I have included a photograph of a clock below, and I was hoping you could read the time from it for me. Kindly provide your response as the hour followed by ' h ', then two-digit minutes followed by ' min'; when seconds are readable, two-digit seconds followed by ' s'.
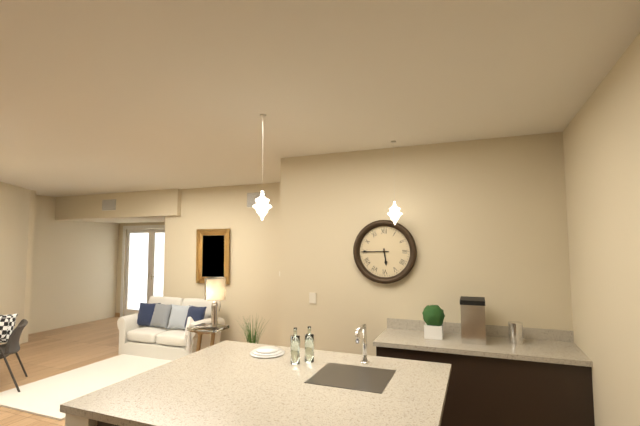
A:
5 h 45 min
